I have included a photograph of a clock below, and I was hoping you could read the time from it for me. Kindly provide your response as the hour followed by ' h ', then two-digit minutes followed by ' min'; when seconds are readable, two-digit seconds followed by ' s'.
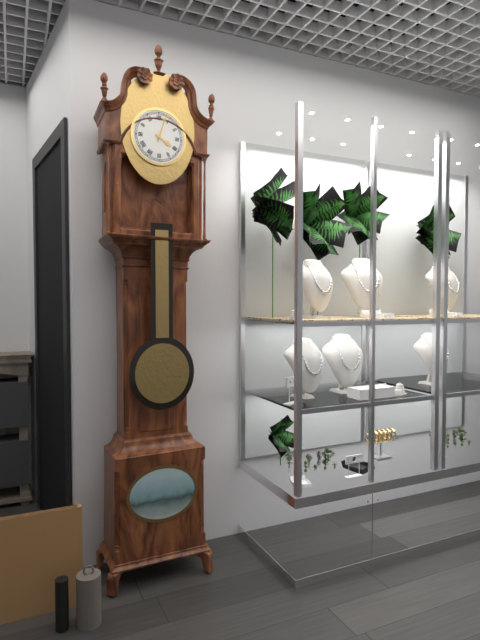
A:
4 h 03 min
